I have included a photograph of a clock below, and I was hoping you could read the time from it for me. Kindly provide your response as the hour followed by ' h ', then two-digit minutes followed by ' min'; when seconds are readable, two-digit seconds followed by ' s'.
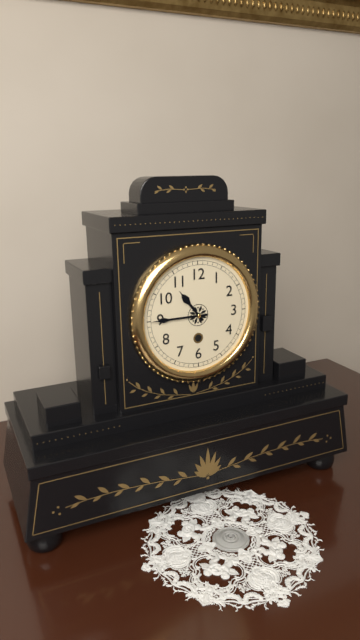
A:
10 h 45 min
